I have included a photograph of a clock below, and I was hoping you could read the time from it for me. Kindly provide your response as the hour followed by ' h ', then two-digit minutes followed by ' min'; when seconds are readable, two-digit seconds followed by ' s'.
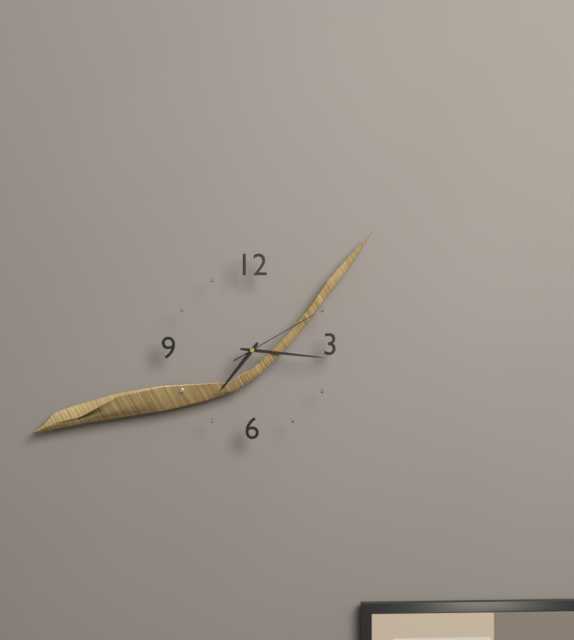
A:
7 h 16 min 10 s
